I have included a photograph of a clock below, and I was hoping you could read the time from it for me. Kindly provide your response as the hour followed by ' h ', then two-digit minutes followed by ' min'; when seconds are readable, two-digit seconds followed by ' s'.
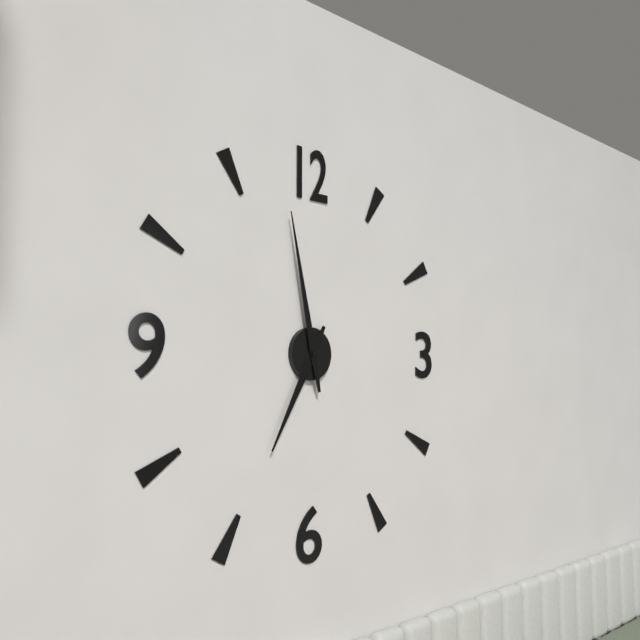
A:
6 h 58 min
